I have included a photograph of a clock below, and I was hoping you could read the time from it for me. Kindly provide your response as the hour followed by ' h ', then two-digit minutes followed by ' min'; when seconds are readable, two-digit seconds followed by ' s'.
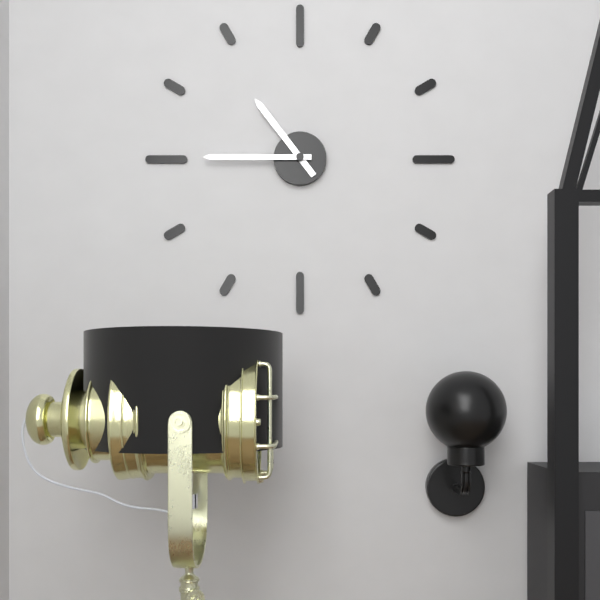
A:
10 h 45 min
